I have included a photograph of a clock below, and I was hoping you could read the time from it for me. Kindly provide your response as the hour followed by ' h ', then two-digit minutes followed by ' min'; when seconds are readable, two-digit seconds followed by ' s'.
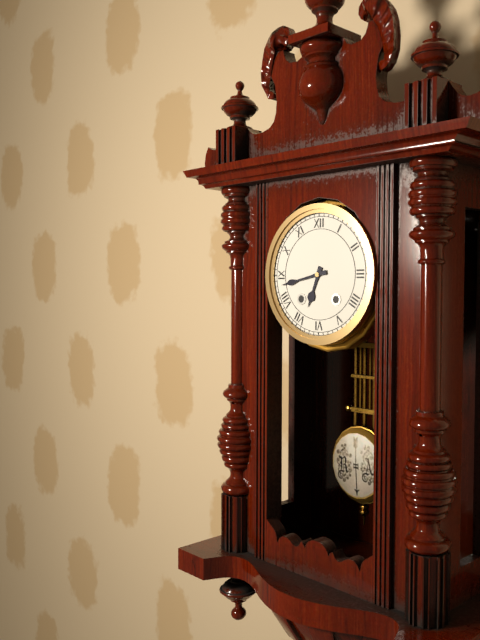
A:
6 h 43 min
